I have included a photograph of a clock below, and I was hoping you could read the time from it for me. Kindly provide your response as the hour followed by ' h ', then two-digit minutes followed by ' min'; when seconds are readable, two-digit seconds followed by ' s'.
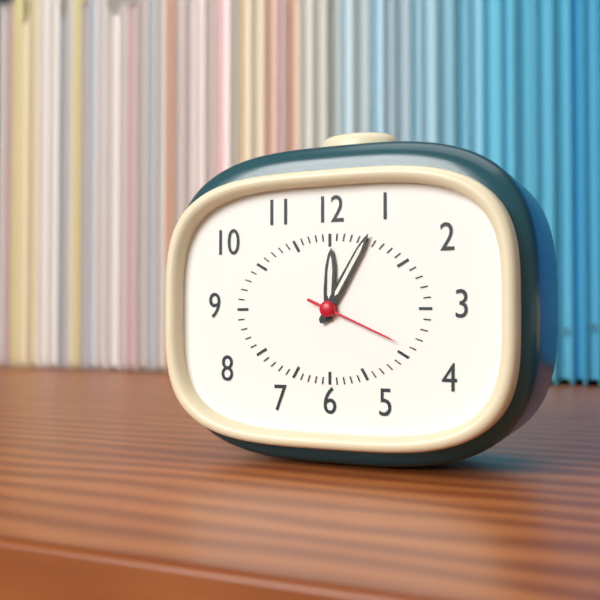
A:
12 h 05 min 19 s
